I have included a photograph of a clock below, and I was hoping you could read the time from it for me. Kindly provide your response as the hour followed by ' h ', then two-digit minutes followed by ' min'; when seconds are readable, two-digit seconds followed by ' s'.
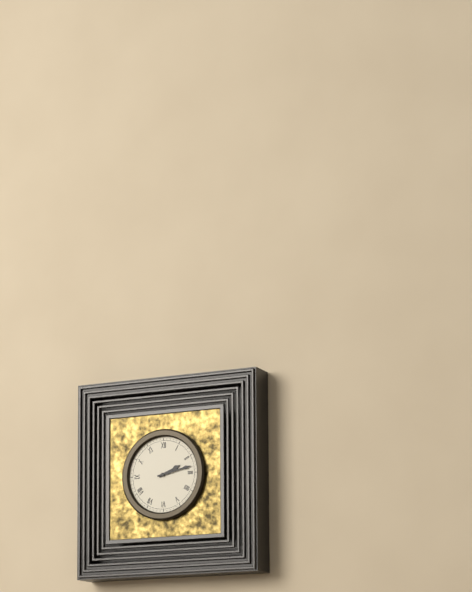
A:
2 h 13 min
